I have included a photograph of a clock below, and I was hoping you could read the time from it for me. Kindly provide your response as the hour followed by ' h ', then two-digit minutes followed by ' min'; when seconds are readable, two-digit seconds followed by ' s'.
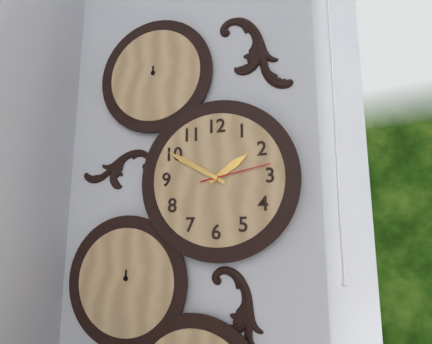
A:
1 h 50 min 13 s
